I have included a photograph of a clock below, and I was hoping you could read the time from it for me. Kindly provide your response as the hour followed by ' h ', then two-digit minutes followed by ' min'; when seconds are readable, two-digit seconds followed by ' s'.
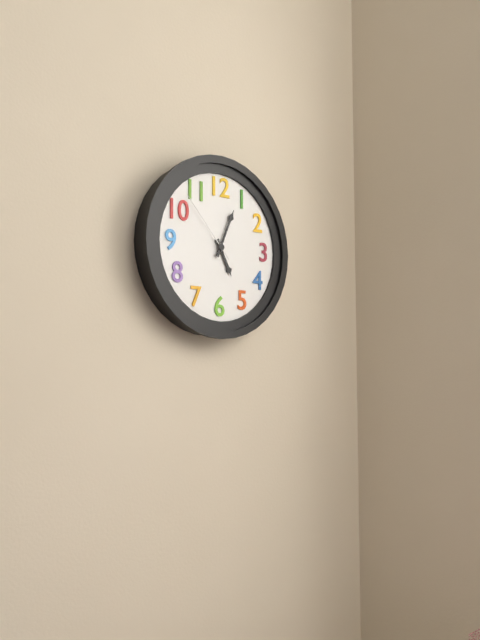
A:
5 h 04 min 53 s
